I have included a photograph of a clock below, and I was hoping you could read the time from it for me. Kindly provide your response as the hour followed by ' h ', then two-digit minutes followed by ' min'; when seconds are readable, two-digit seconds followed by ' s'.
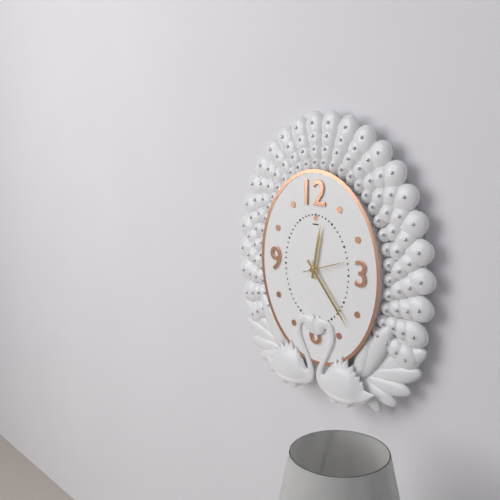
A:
12 h 23 min
